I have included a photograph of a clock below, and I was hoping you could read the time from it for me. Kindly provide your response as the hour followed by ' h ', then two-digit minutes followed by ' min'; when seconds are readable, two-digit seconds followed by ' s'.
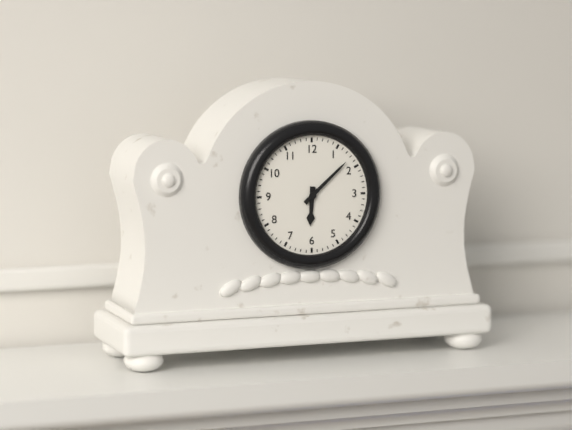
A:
6 h 08 min
